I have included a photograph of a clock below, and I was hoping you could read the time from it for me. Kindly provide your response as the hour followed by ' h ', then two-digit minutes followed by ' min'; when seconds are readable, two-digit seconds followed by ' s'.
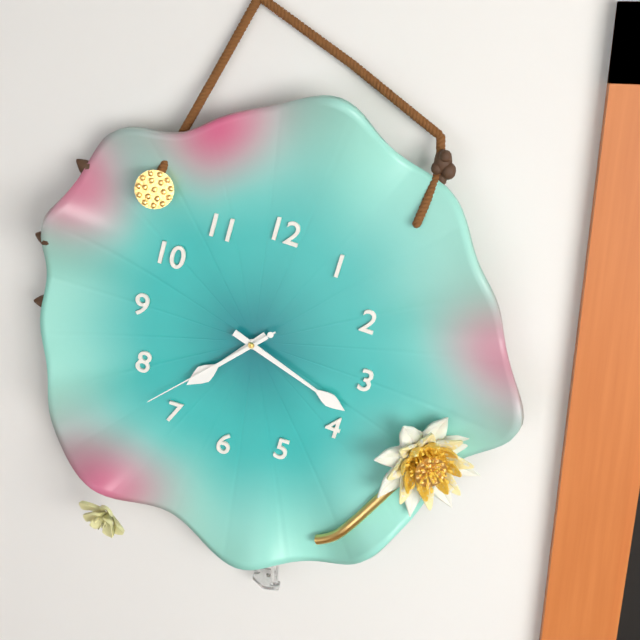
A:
7 h 18 min 37 s
